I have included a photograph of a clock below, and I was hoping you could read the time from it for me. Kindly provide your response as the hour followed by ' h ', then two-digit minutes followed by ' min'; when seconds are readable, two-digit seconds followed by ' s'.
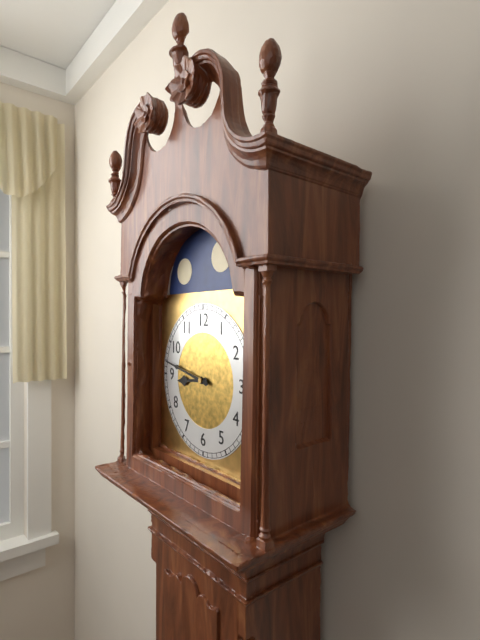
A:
8 h 47 min
